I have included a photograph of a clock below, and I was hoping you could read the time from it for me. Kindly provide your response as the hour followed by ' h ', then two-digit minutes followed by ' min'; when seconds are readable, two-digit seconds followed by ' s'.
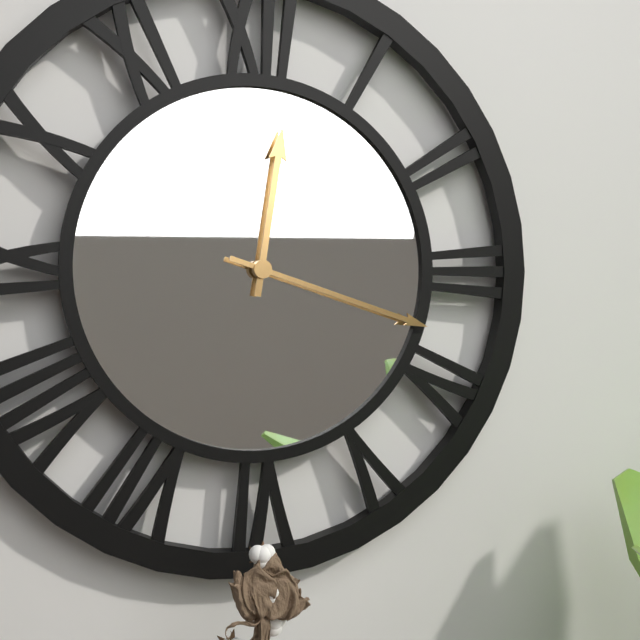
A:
12 h 18 min
